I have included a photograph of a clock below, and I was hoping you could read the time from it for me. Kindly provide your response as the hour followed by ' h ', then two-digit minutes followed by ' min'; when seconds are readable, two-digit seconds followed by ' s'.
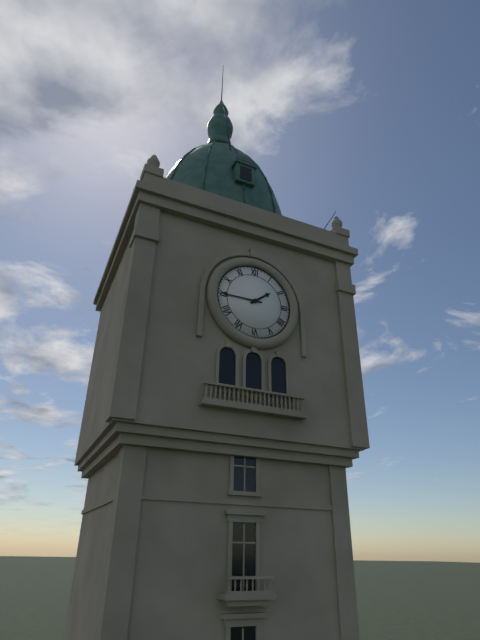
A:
1 h 45 min
